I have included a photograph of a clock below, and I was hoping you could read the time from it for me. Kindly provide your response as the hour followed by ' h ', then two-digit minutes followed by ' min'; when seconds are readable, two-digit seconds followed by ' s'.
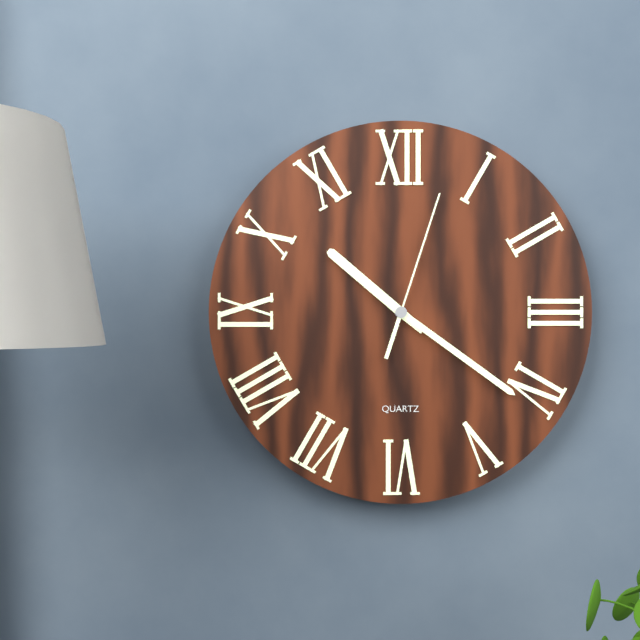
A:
10 h 21 min 03 s
